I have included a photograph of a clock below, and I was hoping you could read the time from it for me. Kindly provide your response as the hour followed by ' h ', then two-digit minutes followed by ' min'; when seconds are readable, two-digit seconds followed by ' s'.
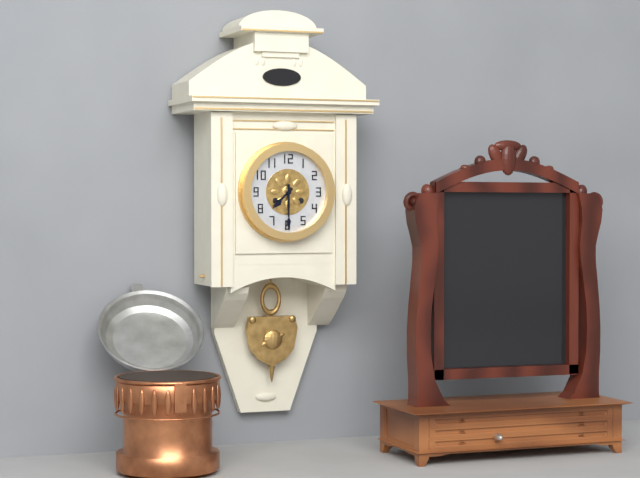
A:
7 h 30 min
